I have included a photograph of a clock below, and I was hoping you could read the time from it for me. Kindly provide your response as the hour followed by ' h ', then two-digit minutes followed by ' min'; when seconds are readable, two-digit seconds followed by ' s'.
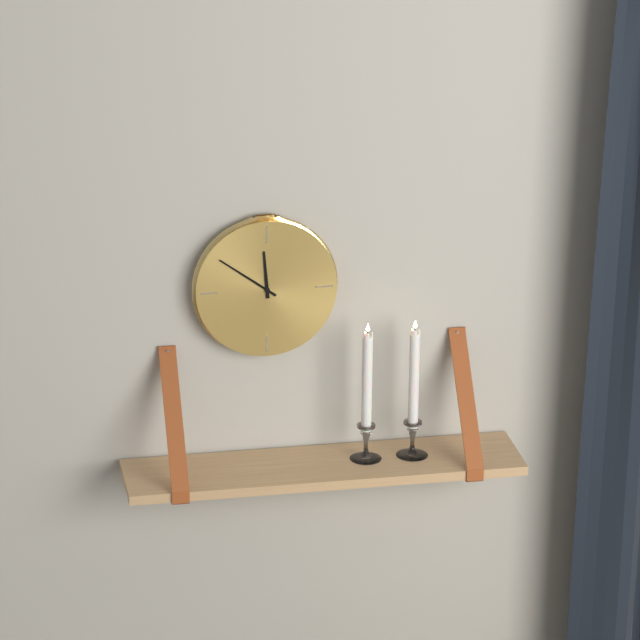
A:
11 h 51 min
